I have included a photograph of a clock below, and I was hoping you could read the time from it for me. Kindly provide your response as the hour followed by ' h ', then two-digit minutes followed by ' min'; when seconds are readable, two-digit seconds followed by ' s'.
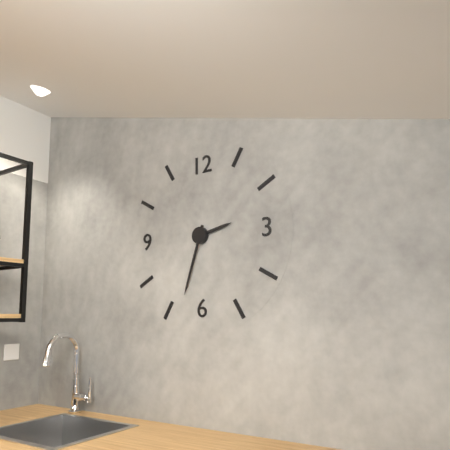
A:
2 h 33 min
